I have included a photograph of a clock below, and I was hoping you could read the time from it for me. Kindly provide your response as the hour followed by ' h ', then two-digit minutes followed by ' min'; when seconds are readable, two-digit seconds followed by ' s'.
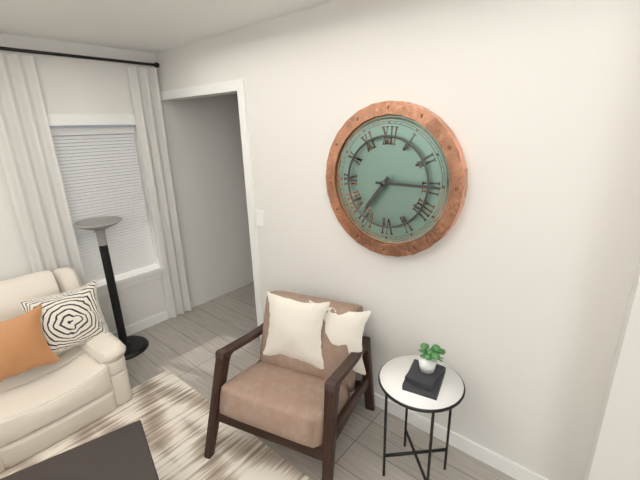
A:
7 h 15 min
